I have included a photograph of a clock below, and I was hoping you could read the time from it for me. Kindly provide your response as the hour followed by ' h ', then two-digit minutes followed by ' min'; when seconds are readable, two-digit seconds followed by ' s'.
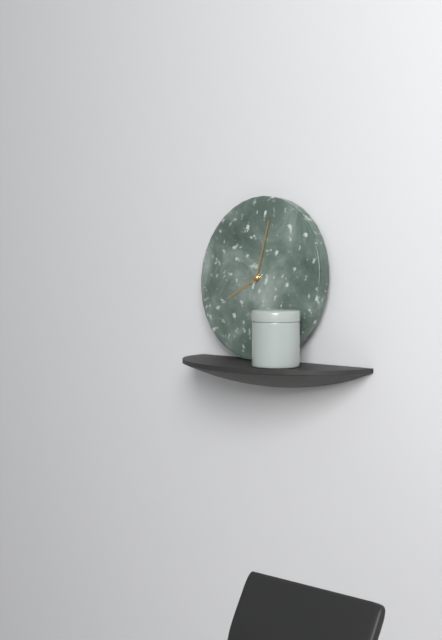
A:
8 h 02 min
